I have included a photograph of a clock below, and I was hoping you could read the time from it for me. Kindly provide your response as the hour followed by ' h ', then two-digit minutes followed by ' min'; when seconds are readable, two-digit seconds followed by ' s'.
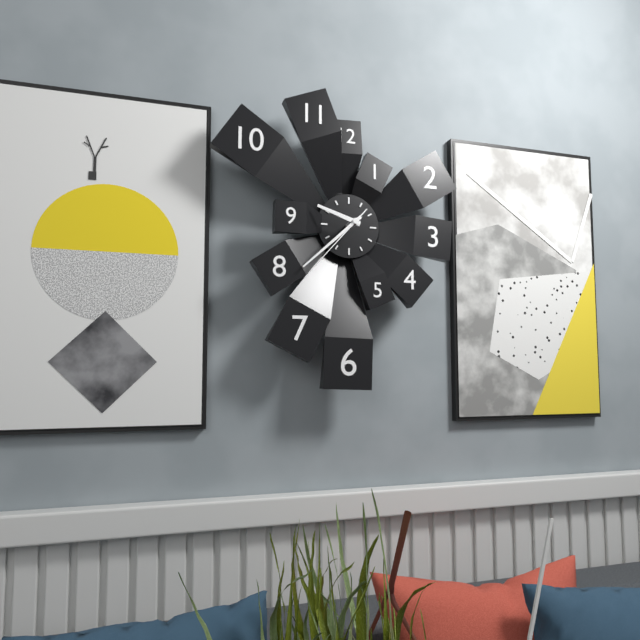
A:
9 h 38 min 37 s
